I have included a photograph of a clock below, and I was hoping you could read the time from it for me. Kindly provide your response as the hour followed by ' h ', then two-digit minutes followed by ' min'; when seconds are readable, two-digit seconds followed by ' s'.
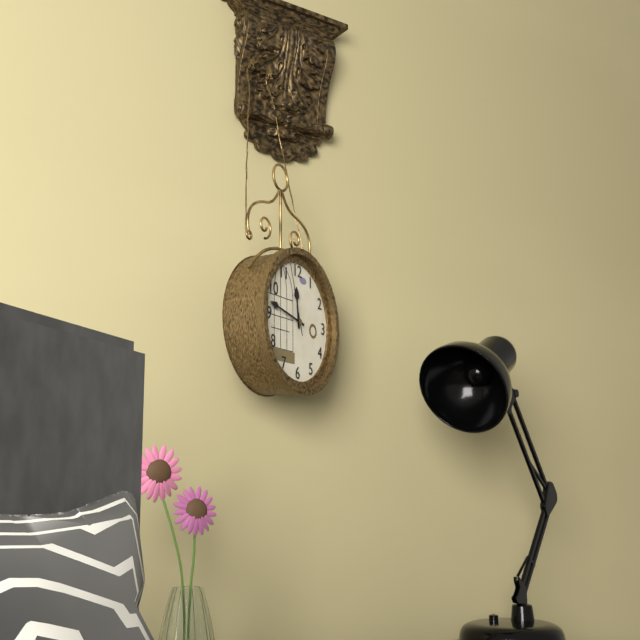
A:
11 h 47 min 57 s
